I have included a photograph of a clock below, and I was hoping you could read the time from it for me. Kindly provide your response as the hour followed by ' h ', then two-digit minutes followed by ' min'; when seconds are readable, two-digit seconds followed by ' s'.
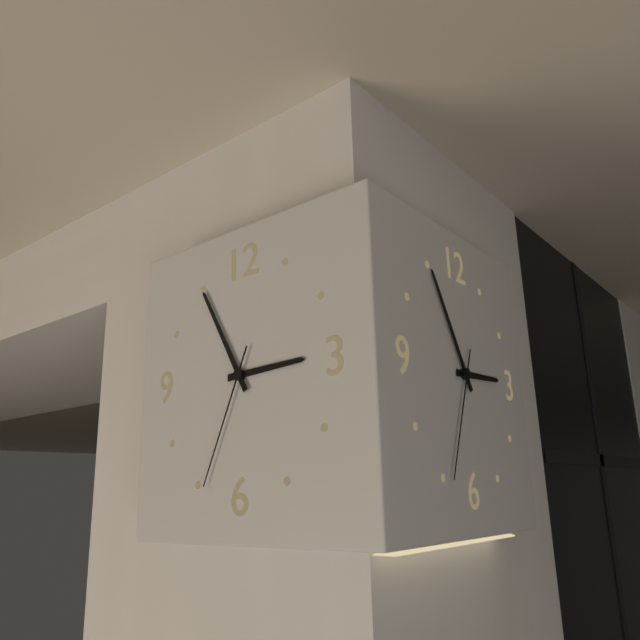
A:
2 h 55 min 34 s
